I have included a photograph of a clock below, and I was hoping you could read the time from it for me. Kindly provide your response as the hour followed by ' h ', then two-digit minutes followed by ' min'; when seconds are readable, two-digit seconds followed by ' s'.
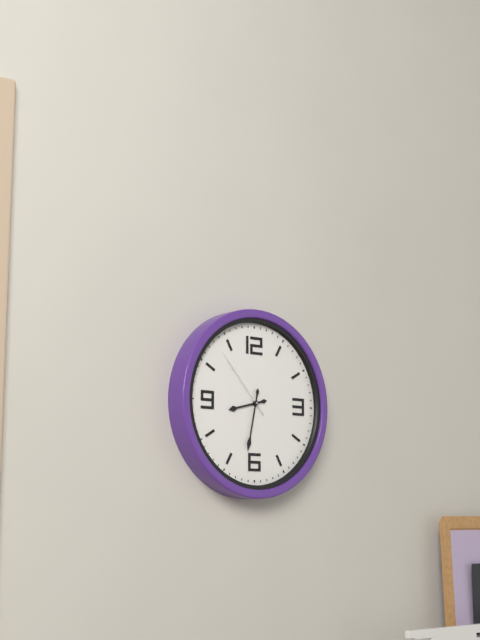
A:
8 h 32 min 53 s
